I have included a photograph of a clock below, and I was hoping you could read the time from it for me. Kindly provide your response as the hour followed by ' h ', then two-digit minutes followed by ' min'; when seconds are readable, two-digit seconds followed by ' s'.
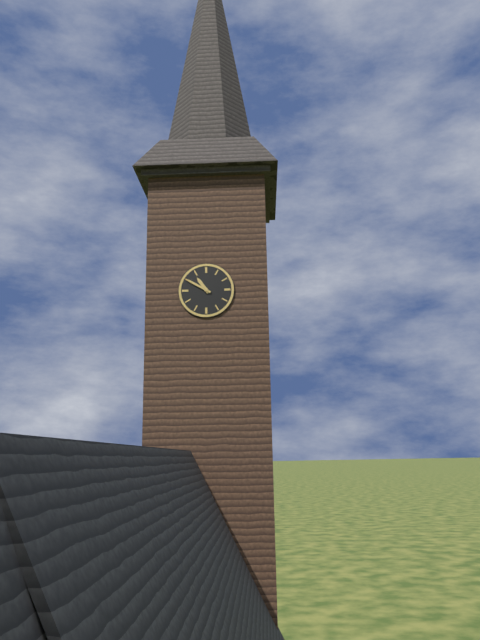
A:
10 h 50 min
